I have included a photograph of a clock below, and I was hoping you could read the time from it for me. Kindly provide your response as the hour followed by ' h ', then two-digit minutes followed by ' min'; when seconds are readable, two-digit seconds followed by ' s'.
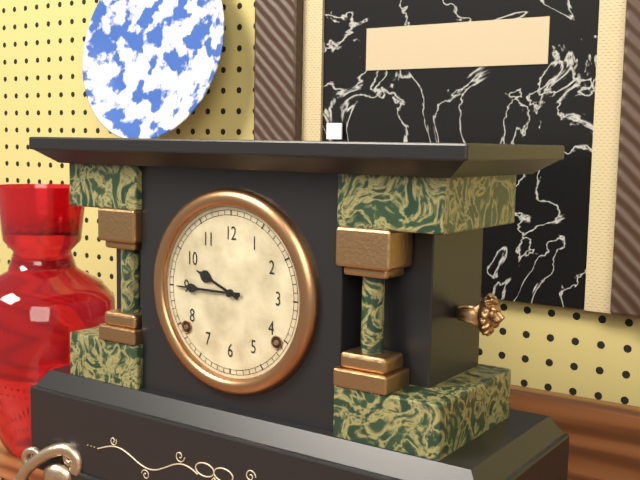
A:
9 h 45 min
